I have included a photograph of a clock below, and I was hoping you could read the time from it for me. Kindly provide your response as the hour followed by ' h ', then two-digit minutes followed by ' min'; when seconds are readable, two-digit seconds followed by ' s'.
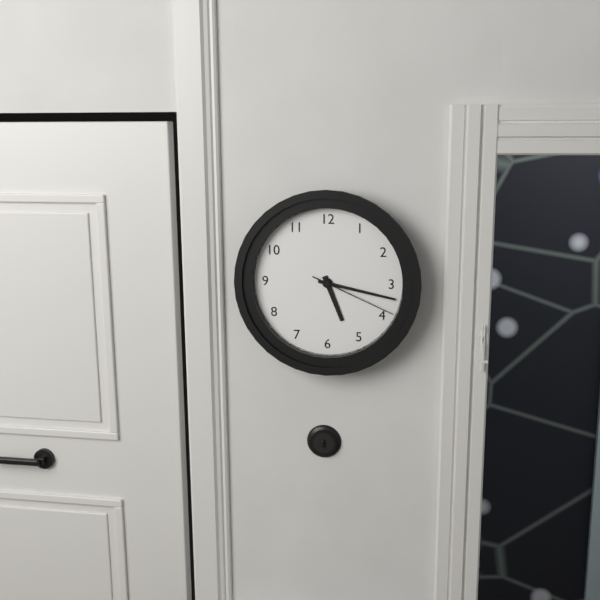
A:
5 h 17 min 19 s
